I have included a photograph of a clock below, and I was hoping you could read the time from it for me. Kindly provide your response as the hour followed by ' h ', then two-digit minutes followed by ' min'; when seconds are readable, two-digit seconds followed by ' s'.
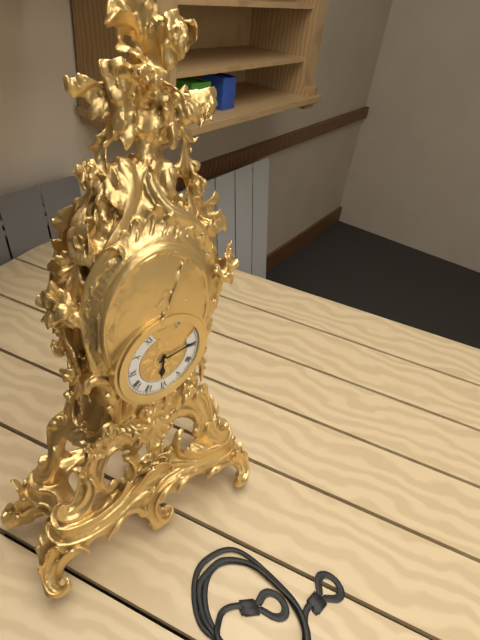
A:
6 h 14 min
